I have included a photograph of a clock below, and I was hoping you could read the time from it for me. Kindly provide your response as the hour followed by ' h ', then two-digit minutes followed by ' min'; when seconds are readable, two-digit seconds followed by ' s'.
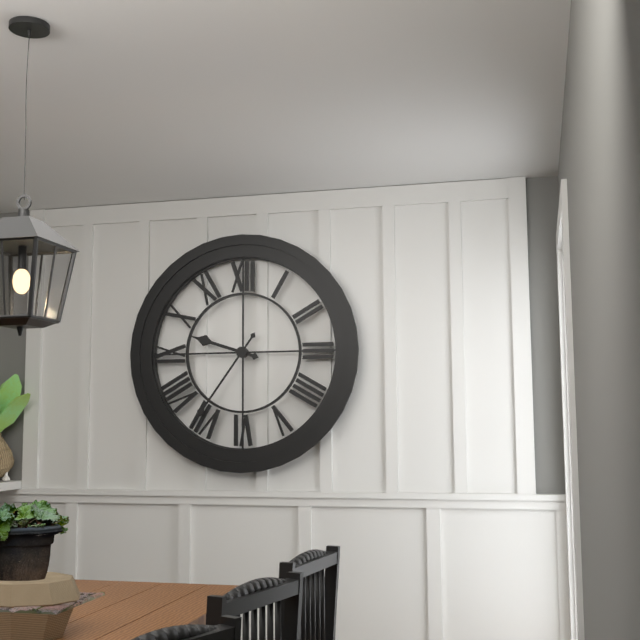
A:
9 h 36 min
